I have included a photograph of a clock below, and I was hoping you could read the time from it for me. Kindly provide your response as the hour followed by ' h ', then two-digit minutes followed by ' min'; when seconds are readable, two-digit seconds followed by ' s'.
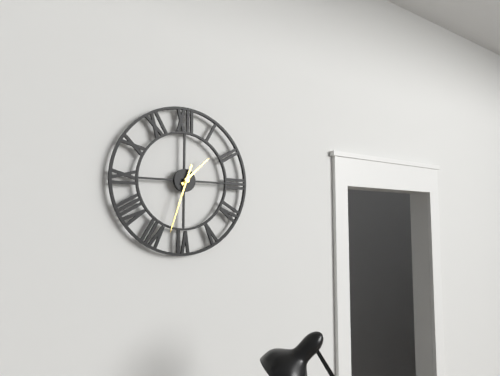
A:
1 h 33 min
